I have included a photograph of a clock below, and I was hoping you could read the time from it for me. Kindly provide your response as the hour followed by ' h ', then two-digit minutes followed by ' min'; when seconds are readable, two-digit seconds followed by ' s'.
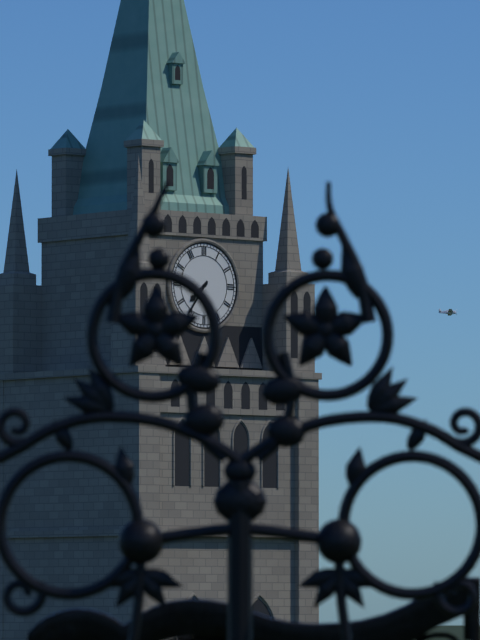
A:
7 h 36 min
